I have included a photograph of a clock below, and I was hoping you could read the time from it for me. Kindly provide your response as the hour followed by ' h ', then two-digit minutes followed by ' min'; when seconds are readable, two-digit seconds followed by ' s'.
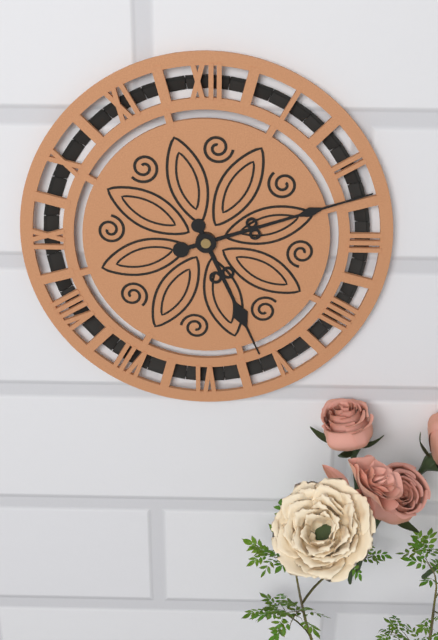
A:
5 h 12 min
